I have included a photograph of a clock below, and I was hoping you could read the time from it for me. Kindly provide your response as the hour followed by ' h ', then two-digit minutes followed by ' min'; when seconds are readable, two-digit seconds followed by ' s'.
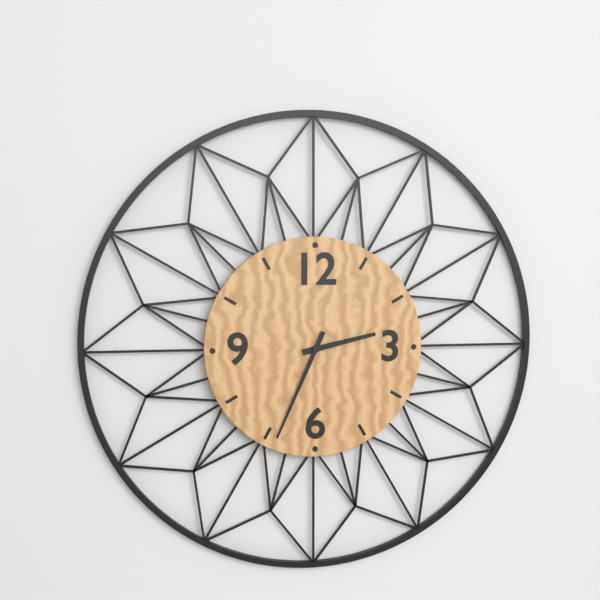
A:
2 h 34 min
